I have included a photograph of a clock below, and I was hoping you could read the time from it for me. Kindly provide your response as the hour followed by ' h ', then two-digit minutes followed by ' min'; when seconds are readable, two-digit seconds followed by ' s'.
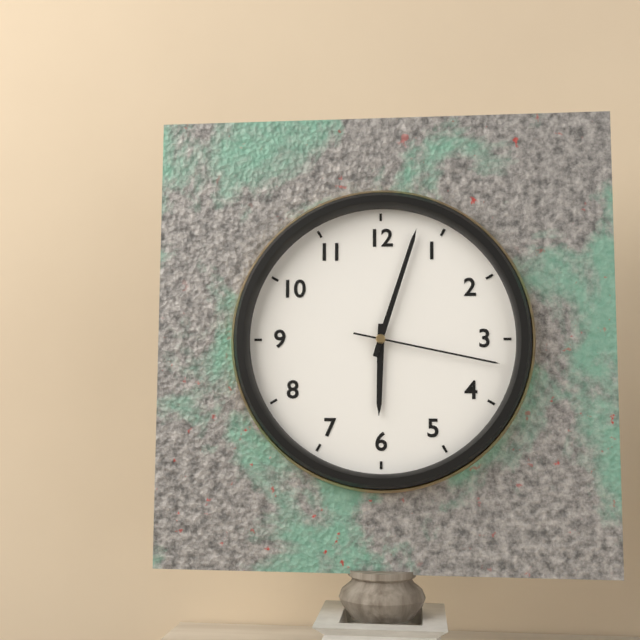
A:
6 h 03 min 17 s
